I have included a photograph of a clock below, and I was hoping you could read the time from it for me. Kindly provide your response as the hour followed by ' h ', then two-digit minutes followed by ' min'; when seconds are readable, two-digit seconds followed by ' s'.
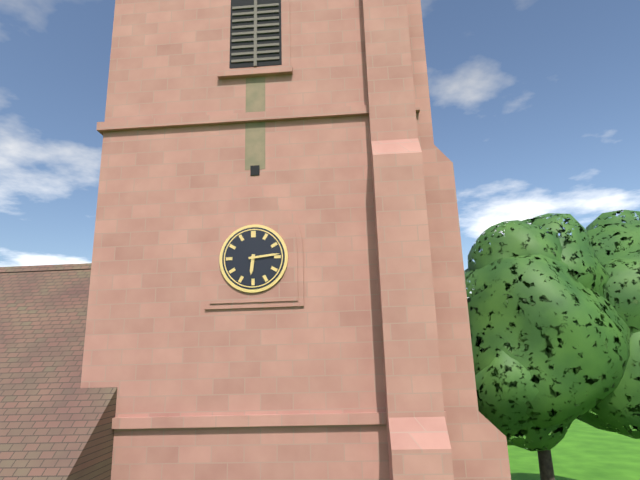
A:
6 h 14 min
